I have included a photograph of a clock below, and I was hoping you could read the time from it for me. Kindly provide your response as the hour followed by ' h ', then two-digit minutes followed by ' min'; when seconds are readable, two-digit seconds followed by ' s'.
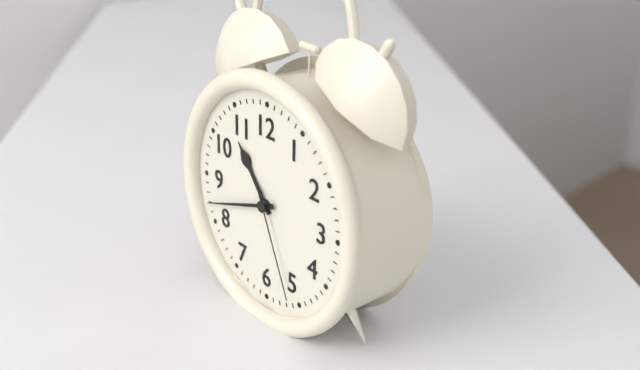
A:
10 h 42 min 26 s
